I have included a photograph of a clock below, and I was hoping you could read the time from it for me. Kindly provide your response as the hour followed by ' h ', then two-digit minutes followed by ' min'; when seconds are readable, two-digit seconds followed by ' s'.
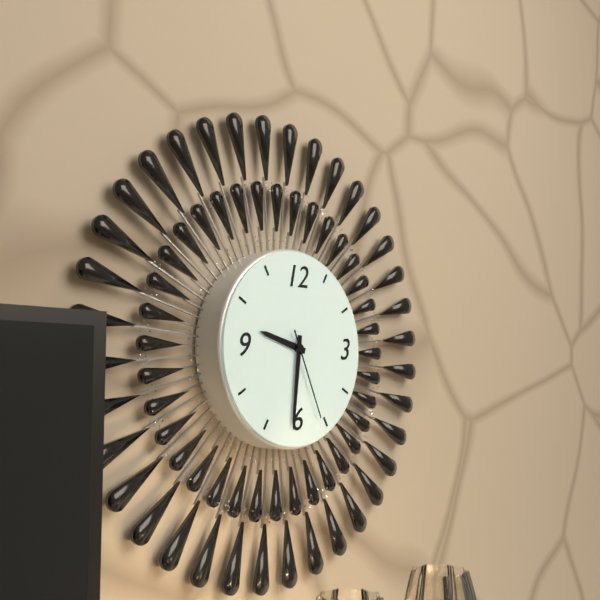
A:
9 h 31 min 26 s
